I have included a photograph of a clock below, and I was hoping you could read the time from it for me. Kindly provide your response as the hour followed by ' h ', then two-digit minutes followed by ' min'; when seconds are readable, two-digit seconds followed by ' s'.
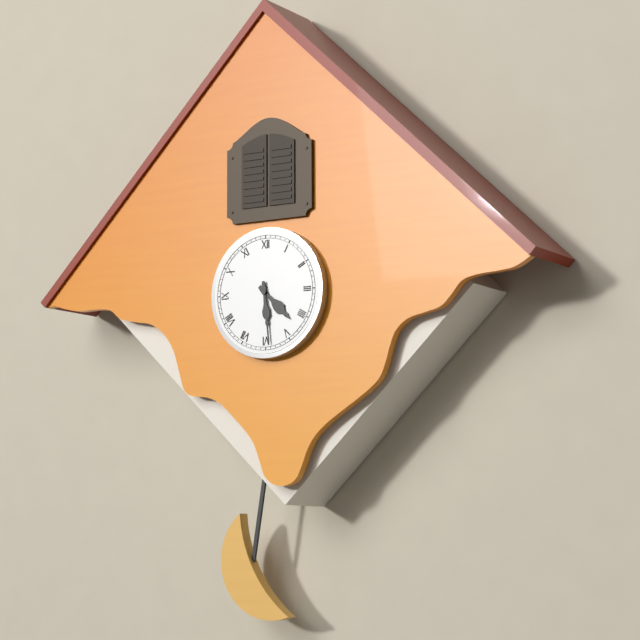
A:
4 h 29 min
